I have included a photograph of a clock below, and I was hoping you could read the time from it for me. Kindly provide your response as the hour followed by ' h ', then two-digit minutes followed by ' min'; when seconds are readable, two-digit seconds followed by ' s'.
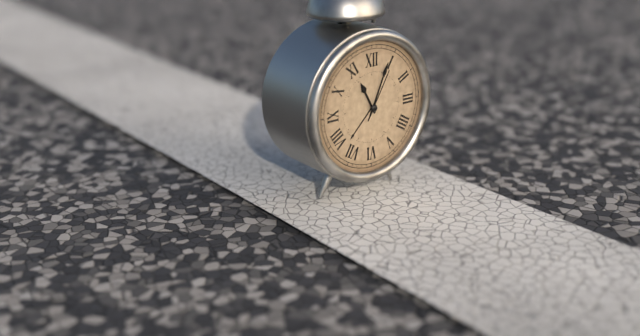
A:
11 h 04 min 05 s
